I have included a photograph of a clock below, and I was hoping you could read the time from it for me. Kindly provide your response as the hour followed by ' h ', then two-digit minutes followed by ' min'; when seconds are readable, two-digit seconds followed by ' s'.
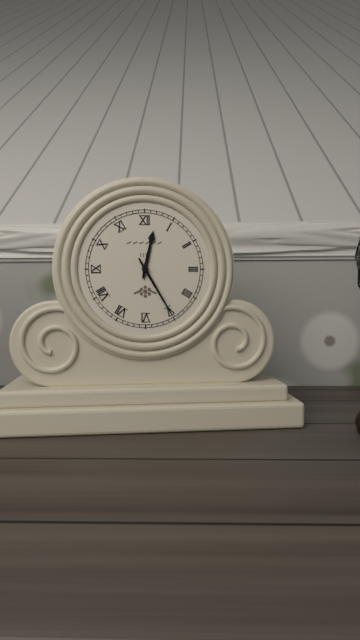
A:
12 h 25 min
